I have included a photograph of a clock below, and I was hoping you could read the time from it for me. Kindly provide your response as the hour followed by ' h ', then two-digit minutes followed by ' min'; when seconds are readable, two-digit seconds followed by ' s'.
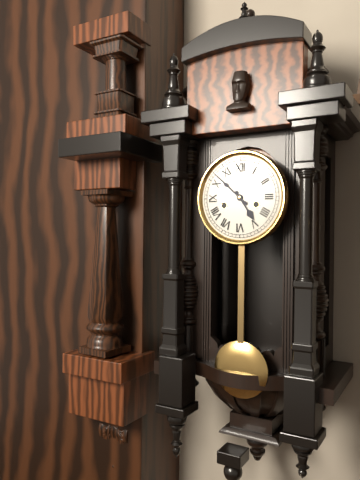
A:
4 h 52 min
